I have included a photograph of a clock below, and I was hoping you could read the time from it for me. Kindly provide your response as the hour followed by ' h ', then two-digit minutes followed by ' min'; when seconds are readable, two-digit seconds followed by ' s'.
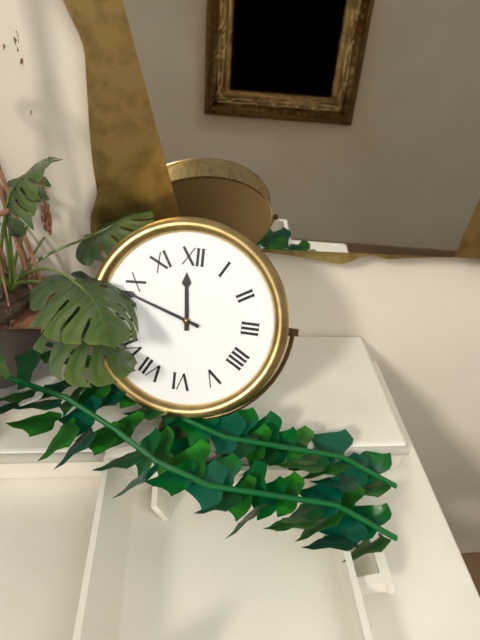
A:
11 h 48 min
